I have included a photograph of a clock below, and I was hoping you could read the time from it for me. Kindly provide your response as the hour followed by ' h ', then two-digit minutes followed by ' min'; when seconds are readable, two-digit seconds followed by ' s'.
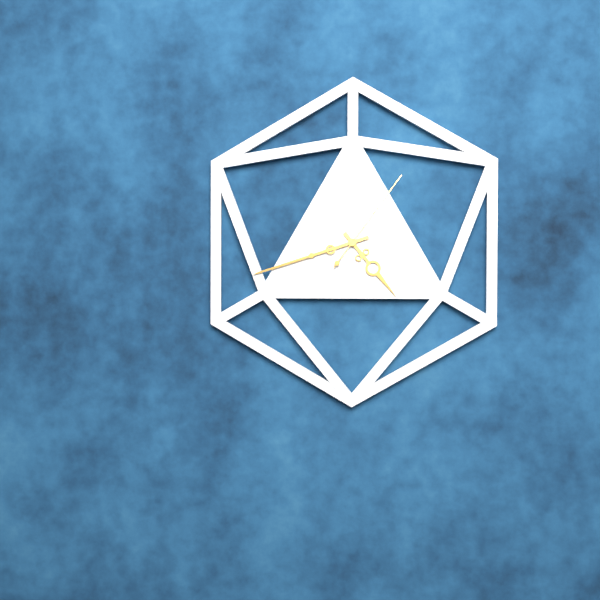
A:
4 h 42 min 06 s
